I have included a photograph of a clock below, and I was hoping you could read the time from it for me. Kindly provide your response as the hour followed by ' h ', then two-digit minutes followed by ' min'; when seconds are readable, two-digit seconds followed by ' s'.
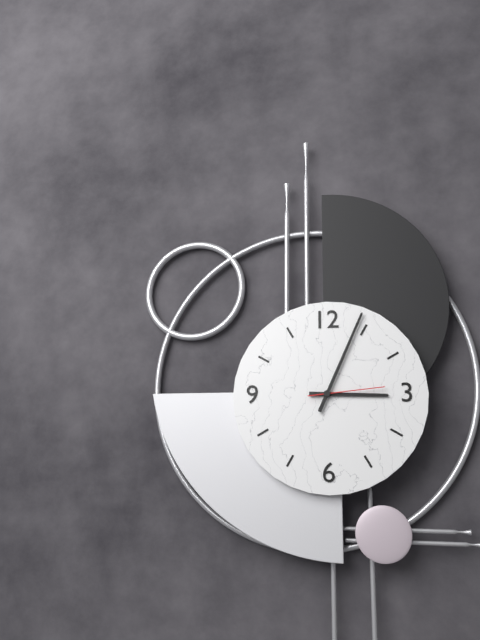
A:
3 h 04 min 14 s
